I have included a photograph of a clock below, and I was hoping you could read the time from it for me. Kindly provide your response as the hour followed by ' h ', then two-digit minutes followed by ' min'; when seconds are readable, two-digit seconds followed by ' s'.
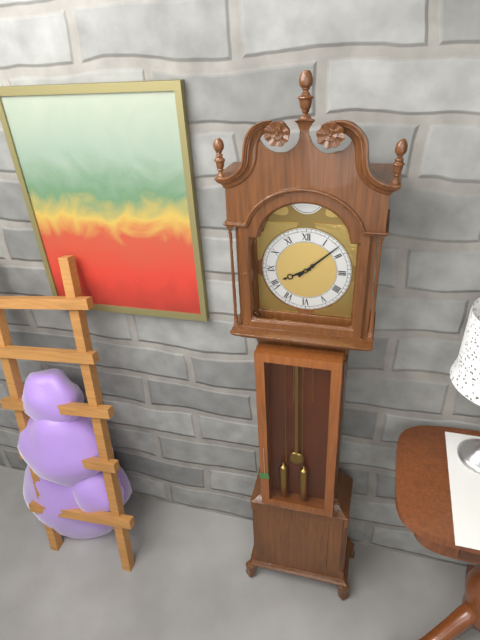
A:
8 h 08 min
